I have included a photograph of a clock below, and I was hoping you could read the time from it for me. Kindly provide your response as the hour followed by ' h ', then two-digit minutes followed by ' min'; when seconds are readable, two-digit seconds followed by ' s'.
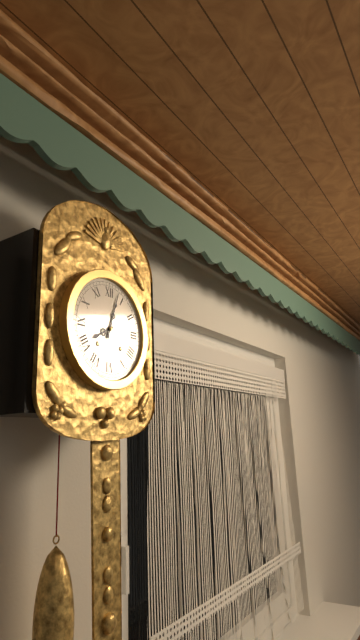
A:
8 h 03 min
